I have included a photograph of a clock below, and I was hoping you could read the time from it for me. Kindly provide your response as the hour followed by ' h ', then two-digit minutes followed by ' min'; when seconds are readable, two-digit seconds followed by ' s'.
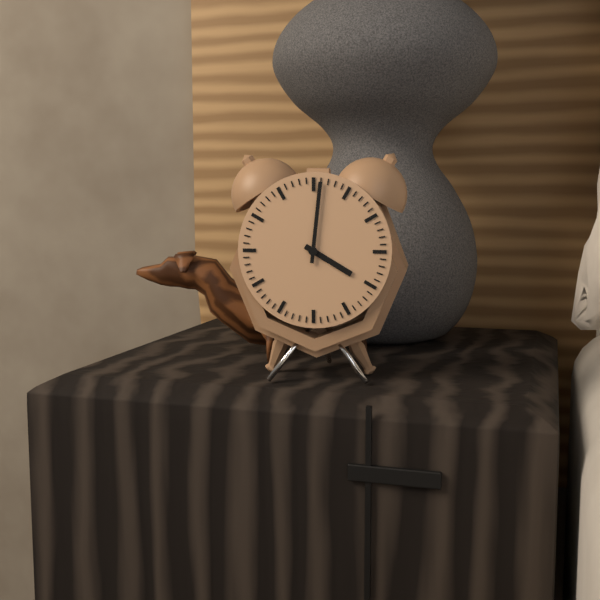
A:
4 h 01 min
